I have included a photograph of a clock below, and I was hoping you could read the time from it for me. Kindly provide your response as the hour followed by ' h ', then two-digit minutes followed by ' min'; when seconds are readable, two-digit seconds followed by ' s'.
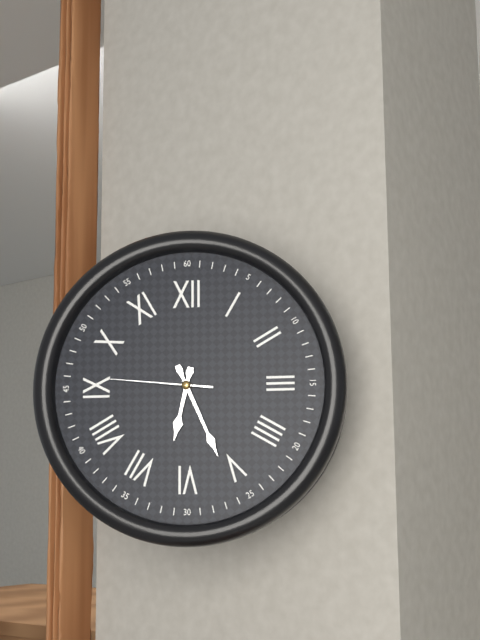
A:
6 h 26 min 46 s
